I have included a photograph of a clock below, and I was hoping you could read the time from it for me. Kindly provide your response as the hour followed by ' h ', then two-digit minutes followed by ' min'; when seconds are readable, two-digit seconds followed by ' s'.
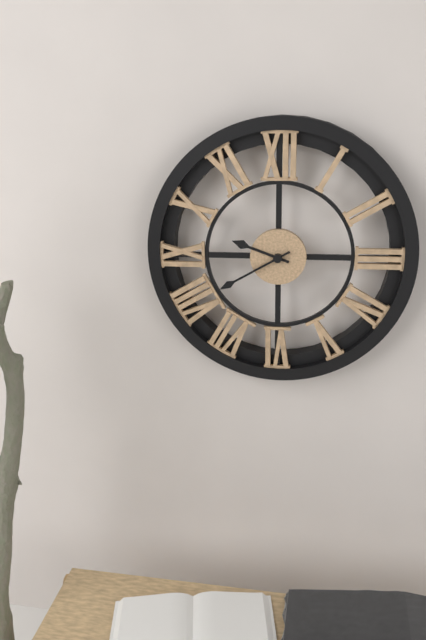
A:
9 h 40 min
